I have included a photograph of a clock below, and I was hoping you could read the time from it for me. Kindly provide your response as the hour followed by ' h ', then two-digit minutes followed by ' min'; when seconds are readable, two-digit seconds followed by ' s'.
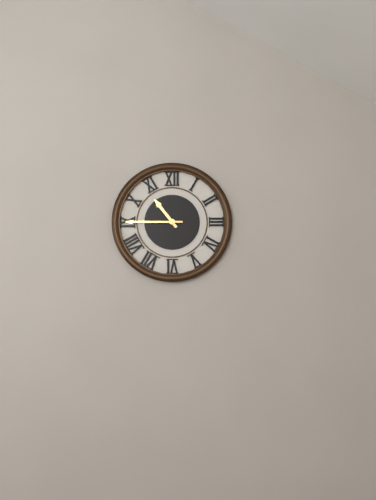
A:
10 h 45 min
